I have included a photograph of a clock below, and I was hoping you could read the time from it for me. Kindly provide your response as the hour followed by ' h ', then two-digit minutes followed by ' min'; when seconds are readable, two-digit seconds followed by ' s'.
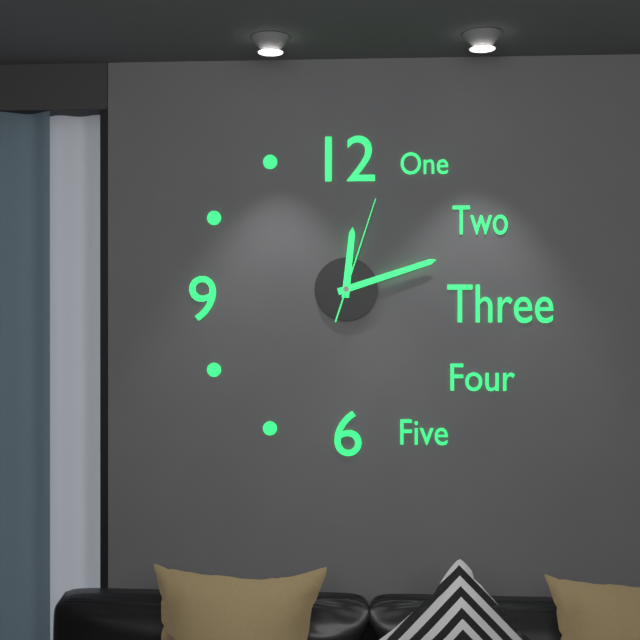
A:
12 h 12 min 03 s
